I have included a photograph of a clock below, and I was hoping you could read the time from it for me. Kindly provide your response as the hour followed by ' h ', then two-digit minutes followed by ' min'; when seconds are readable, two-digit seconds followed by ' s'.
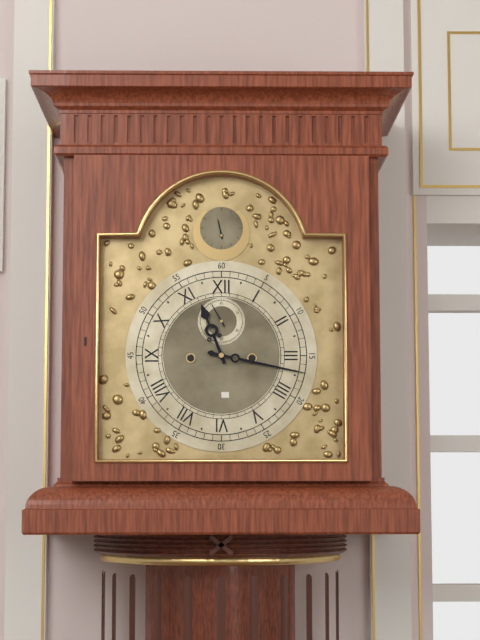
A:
11 h 17 min
